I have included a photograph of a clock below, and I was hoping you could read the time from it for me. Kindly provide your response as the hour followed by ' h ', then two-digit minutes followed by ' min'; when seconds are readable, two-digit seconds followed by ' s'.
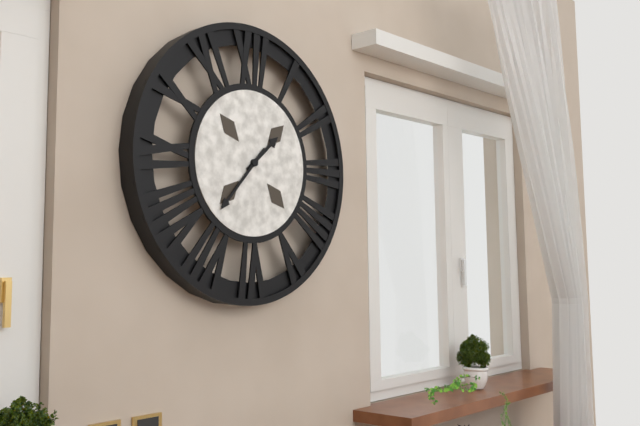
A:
1 h 37 min
